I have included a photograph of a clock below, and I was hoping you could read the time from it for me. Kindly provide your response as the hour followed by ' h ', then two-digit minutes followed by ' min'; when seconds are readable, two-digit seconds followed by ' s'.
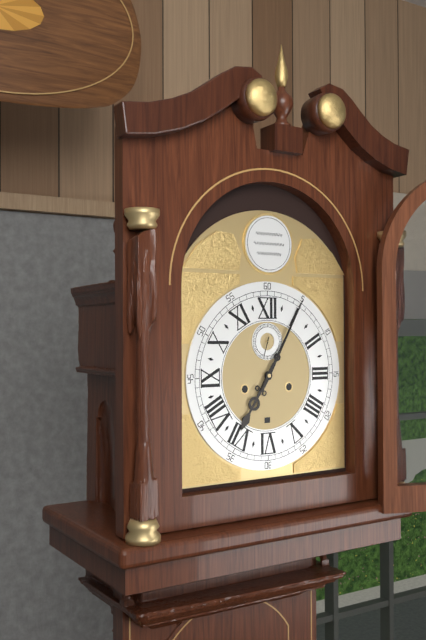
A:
7 h 05 min
